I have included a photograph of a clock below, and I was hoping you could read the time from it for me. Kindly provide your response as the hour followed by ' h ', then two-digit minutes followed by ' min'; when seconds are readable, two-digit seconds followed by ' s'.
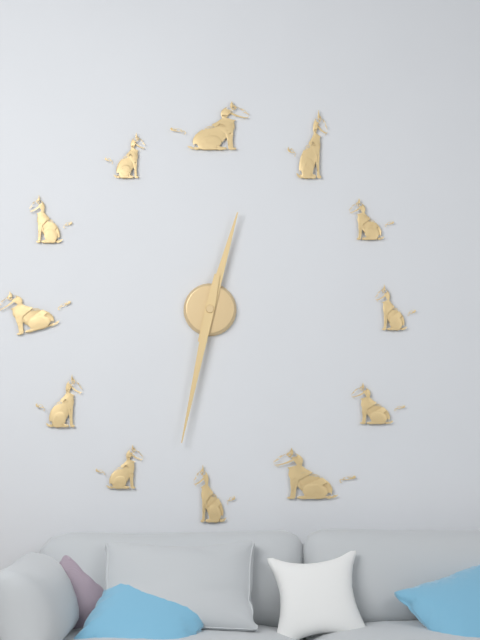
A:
12 h 32 min
